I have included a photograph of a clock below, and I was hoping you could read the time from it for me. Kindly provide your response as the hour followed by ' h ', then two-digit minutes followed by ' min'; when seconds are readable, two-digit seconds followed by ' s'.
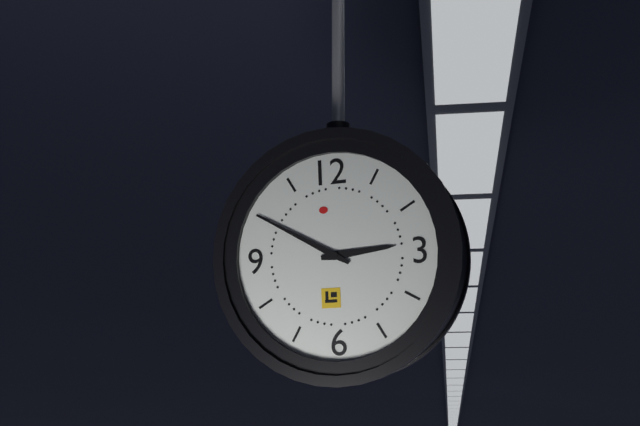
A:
2 h 50 min
